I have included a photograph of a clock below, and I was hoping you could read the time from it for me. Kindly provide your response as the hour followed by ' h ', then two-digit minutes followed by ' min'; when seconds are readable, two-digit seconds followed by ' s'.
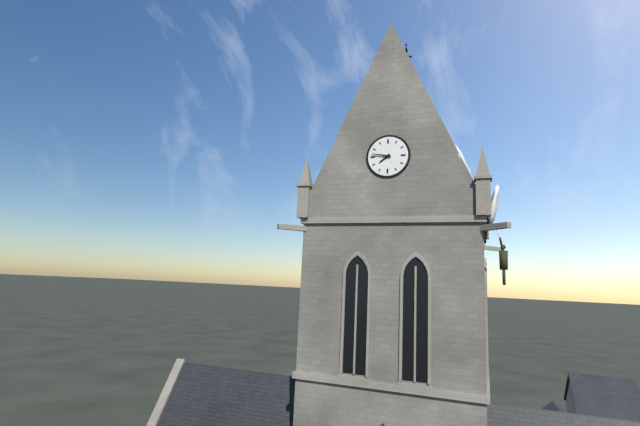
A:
7 h 47 min
